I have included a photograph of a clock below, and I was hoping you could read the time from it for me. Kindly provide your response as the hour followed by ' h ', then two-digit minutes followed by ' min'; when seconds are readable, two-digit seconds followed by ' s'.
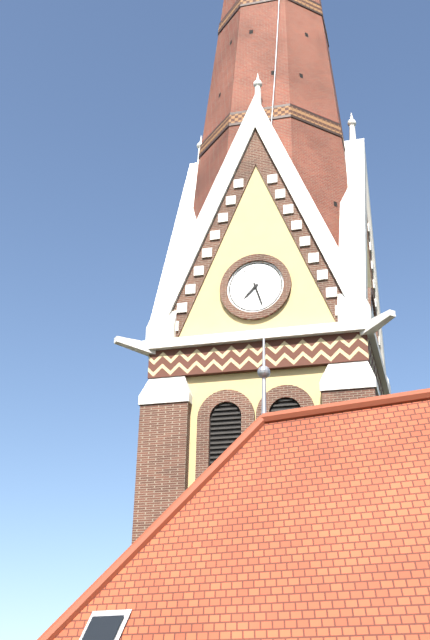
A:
7 h 27 min
